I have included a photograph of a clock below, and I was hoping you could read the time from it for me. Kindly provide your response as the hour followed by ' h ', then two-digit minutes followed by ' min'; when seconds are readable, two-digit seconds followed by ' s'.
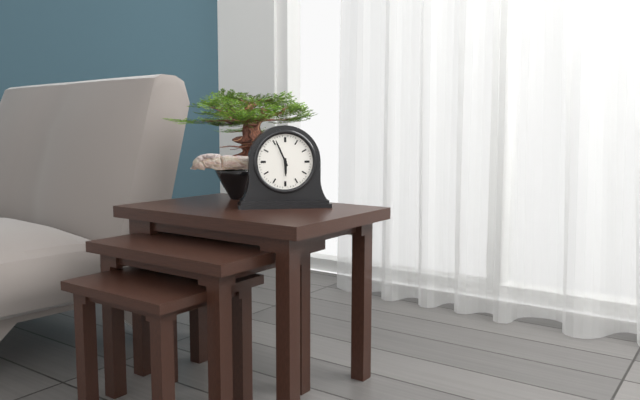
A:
5 h 56 min
